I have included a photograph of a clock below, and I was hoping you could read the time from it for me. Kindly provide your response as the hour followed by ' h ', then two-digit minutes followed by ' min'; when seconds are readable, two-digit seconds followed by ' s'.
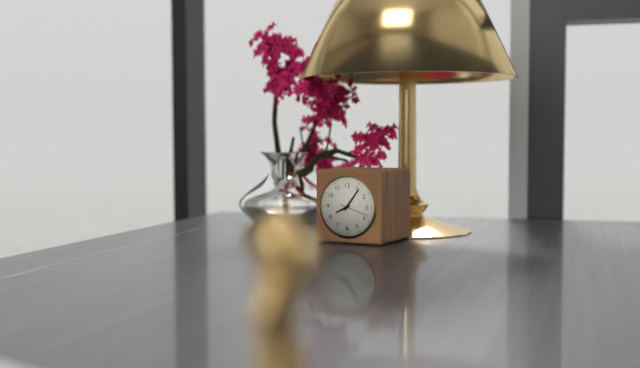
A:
8 h 06 min
